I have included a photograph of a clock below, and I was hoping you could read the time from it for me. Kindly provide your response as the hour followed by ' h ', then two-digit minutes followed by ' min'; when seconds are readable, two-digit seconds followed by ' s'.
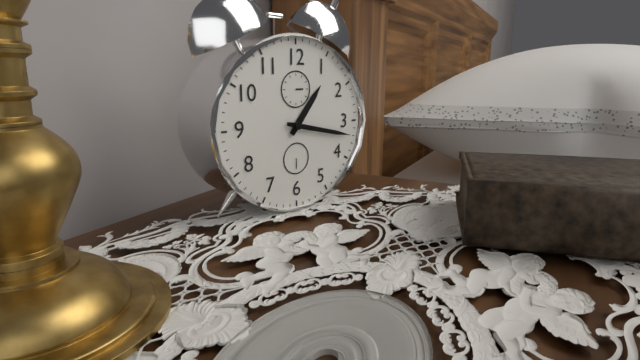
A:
1 h 17 min
